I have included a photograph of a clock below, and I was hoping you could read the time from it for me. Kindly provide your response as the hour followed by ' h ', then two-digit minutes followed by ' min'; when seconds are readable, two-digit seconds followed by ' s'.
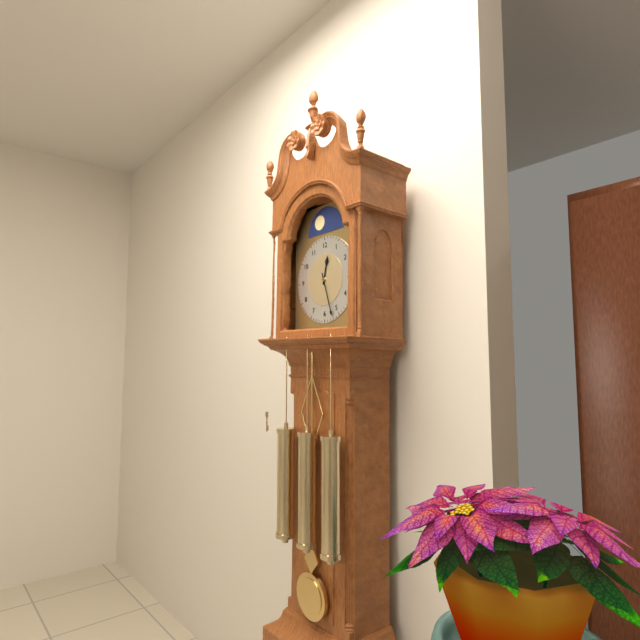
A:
12 h 27 min
